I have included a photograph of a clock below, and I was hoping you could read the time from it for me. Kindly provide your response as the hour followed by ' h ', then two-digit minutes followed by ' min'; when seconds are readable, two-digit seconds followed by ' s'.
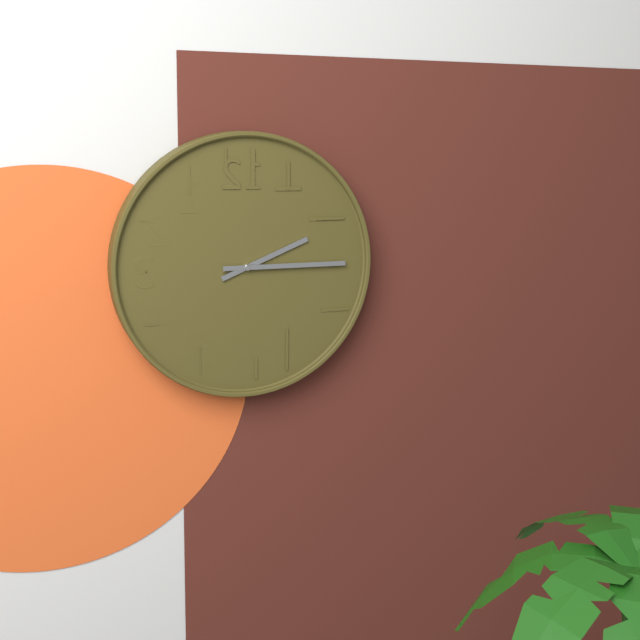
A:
2 h 15 min
